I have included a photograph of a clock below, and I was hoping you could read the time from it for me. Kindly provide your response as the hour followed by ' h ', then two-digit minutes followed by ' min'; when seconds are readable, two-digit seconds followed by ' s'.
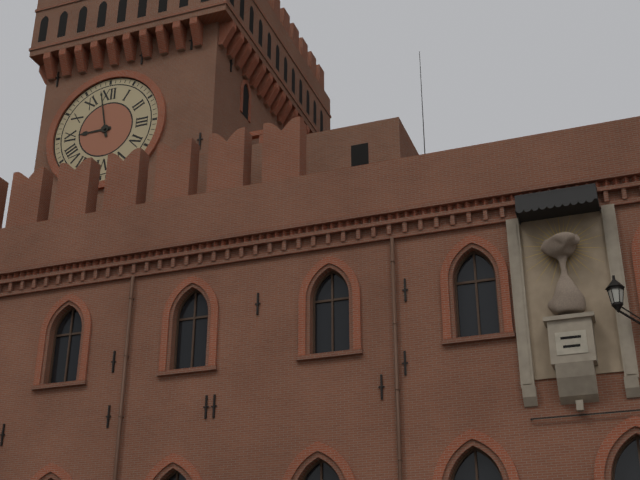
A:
8 h 58 min
